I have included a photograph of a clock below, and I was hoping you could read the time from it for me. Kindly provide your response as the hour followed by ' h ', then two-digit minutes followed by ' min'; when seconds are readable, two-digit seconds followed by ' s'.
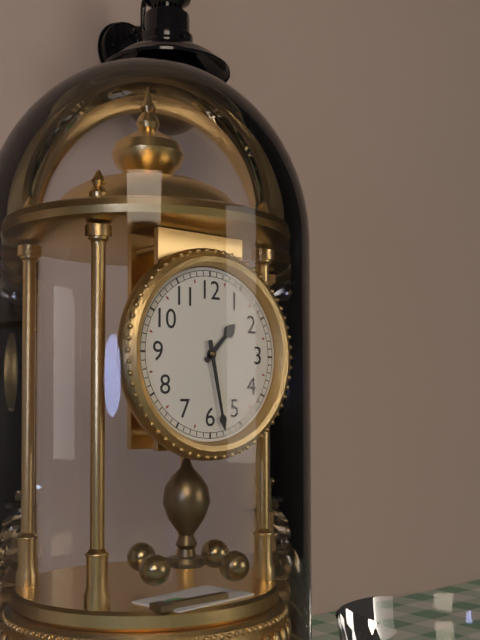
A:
1 h 28 min
